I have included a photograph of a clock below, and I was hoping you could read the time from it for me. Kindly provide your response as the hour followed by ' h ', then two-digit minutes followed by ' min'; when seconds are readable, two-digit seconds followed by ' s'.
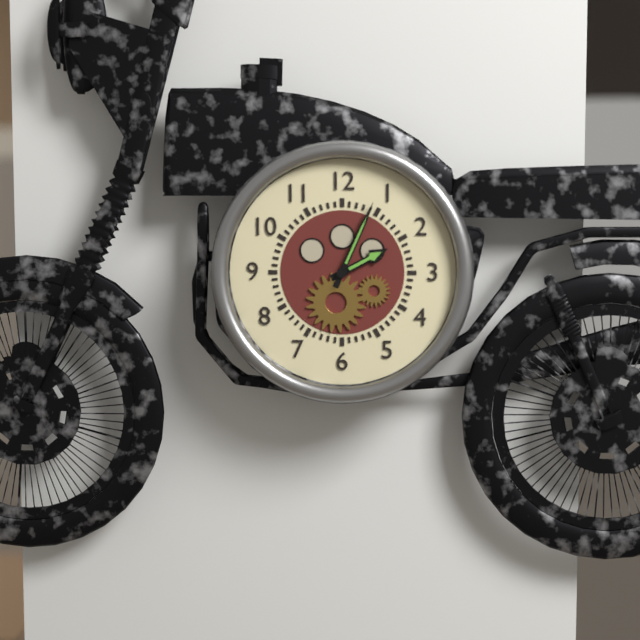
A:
2 h 04 min
